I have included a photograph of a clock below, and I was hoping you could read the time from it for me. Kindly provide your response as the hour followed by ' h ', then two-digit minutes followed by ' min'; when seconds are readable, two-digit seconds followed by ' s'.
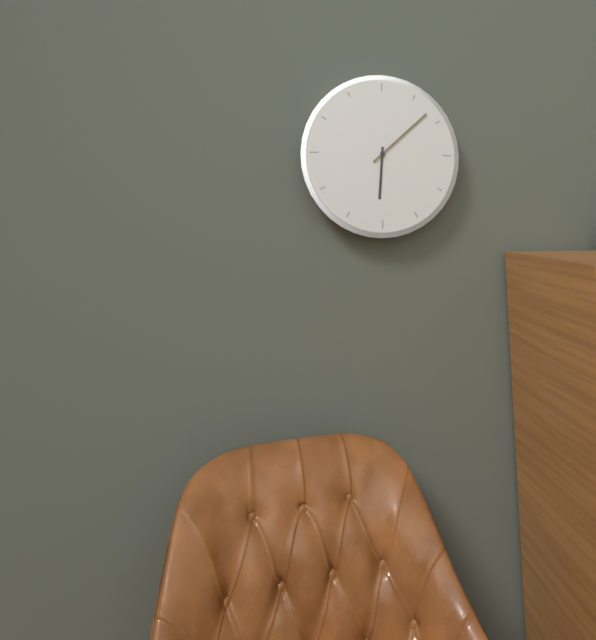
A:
6 h 08 min
